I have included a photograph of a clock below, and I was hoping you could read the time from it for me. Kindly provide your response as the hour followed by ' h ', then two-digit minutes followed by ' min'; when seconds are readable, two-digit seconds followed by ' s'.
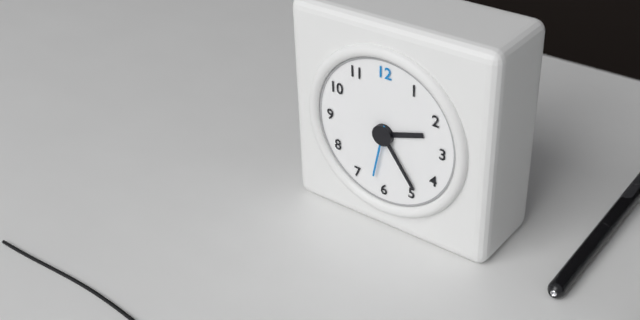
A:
2 h 24 min 32 s
